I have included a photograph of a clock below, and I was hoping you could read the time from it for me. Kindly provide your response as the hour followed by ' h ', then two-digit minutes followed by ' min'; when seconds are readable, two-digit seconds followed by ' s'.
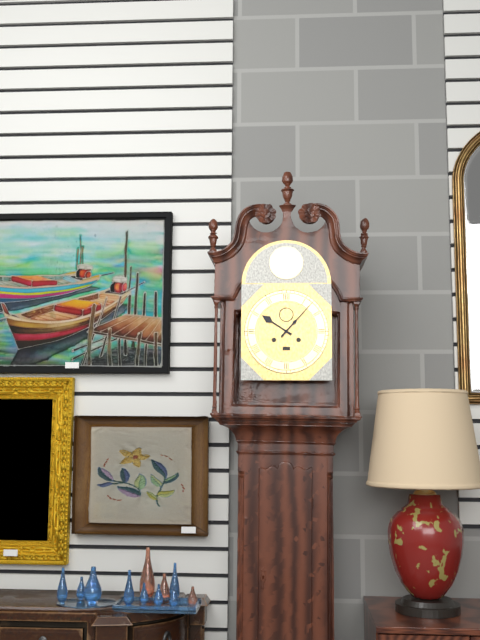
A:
10 h 07 min
